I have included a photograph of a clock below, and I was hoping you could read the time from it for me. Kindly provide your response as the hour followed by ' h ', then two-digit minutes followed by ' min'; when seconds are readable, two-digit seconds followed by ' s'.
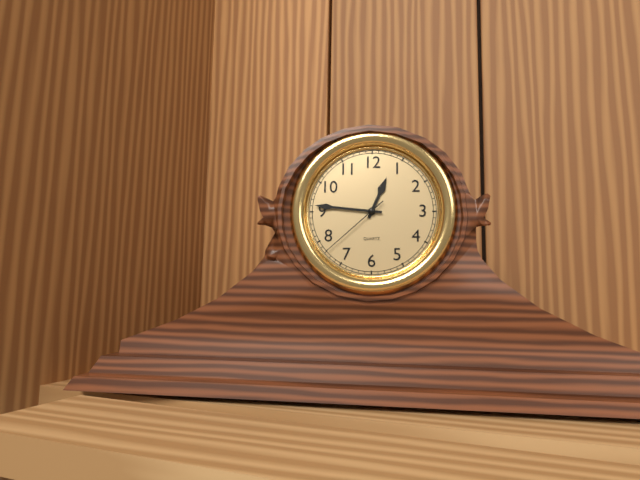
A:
12 h 46 min 38 s
